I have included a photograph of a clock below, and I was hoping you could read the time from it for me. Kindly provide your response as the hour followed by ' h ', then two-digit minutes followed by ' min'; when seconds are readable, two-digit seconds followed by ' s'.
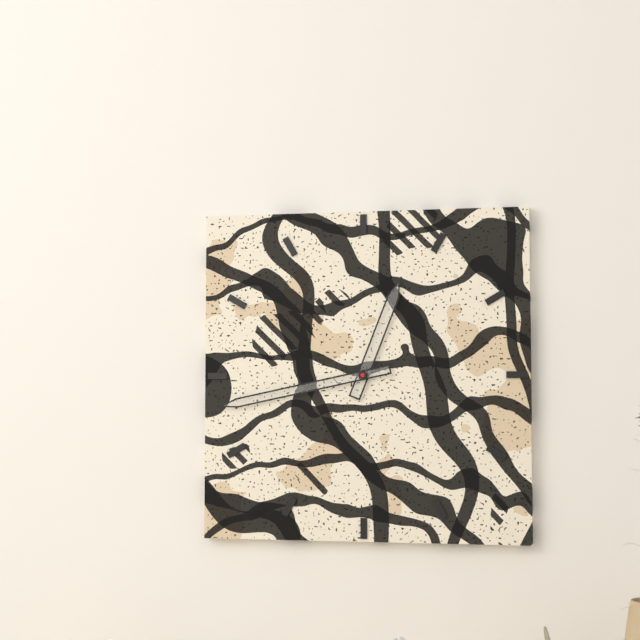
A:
12 h 43 min
